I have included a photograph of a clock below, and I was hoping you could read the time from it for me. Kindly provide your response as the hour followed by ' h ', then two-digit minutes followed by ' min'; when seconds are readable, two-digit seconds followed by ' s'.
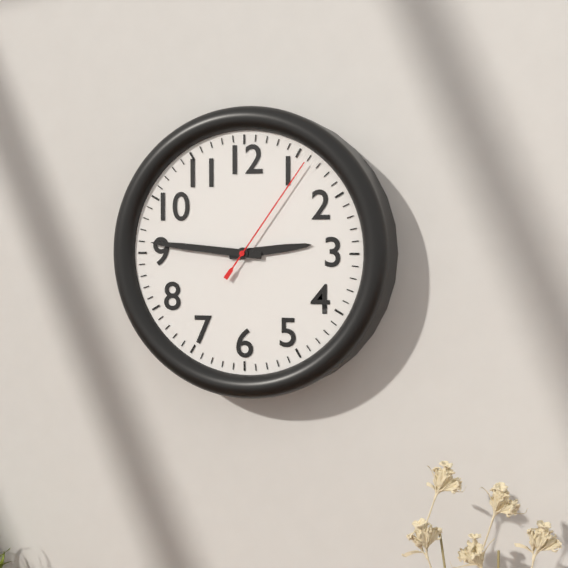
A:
2 h 46 min 06 s
